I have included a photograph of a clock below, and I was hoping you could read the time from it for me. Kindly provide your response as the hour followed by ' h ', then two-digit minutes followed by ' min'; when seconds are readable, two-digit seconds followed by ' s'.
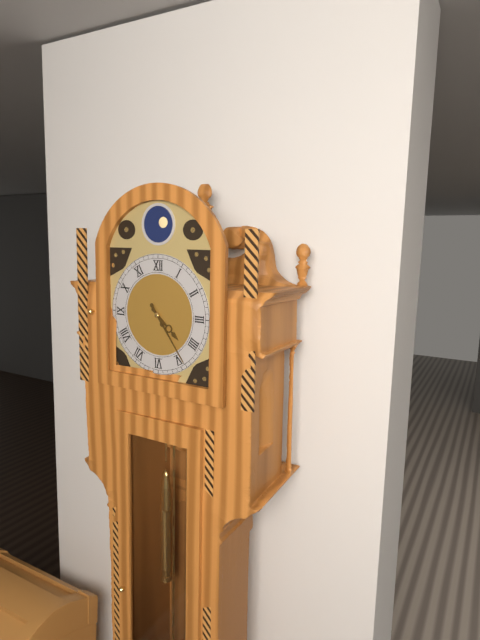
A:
4 h 24 min
